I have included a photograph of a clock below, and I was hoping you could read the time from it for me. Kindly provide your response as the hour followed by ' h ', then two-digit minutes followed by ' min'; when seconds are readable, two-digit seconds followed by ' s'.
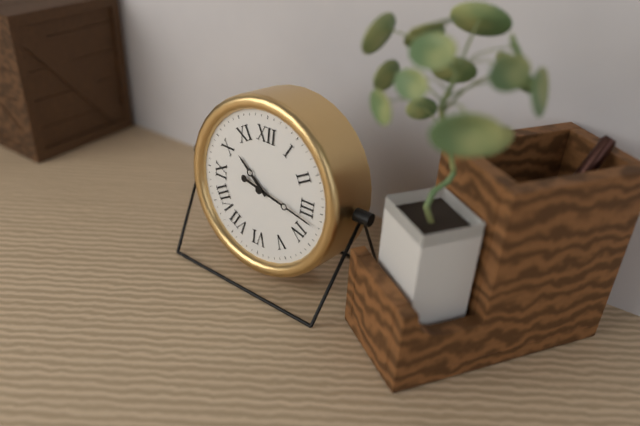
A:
10 h 17 min
